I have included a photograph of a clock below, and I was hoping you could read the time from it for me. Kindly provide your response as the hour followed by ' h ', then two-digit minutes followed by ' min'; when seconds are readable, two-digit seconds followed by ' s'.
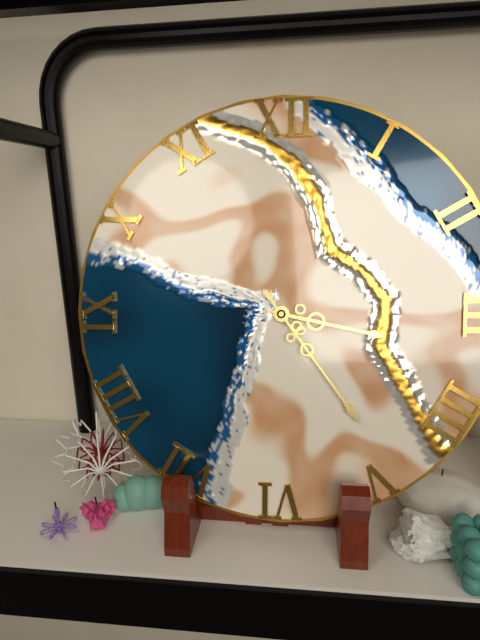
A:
3 h 24 min
